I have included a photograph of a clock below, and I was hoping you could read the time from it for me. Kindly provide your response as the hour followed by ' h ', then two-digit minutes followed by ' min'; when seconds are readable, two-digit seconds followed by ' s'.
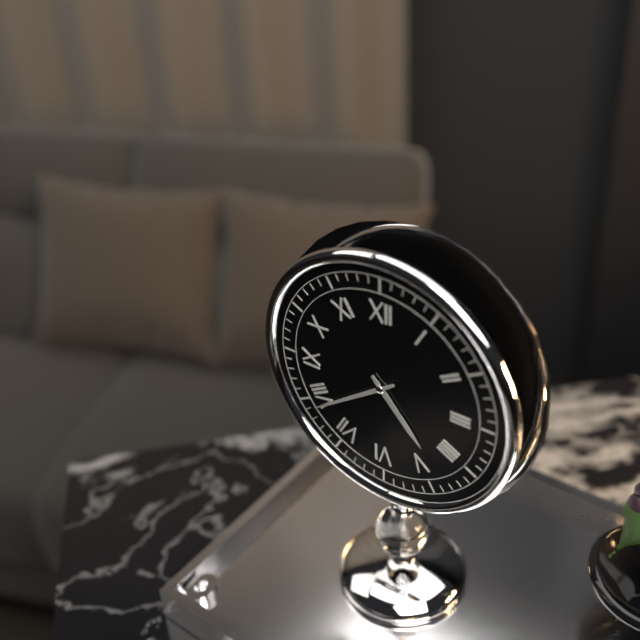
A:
4 h 39 min
